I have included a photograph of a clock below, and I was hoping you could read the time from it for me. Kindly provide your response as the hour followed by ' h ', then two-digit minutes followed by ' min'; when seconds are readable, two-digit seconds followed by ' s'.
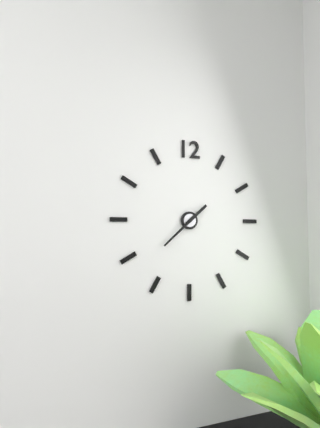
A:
1 h 38 min
